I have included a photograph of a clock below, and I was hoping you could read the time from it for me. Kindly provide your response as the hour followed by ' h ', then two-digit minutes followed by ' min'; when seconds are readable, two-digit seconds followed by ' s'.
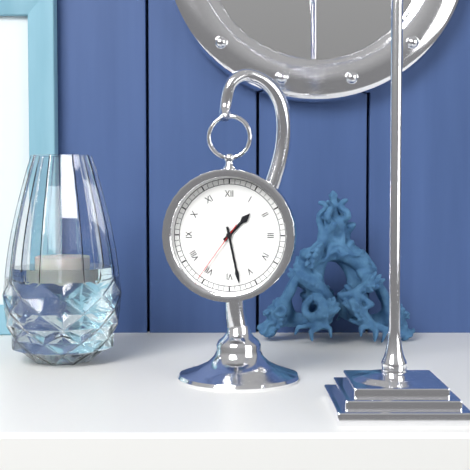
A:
1 h 28 min 36 s
